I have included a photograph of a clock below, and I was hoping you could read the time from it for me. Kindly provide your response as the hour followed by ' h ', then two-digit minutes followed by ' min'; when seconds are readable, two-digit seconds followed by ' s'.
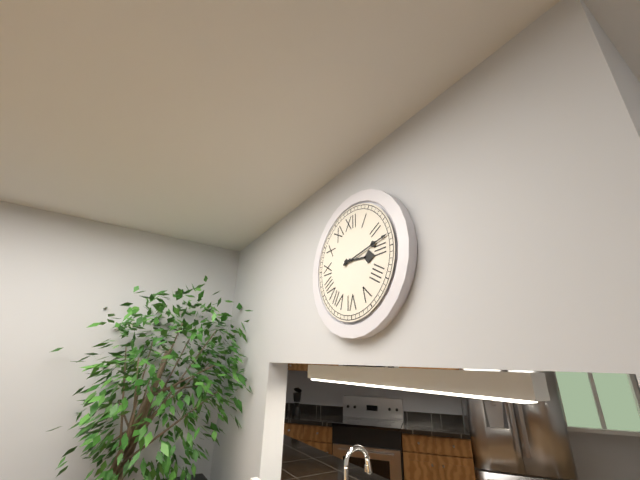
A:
3 h 13 min
